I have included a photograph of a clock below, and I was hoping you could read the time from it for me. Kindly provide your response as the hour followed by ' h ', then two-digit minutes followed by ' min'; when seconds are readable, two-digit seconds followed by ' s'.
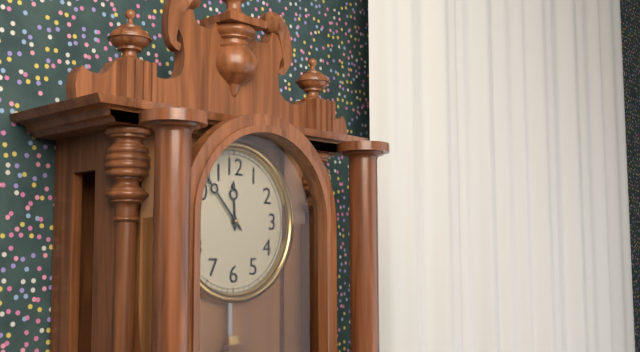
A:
11 h 53 min
